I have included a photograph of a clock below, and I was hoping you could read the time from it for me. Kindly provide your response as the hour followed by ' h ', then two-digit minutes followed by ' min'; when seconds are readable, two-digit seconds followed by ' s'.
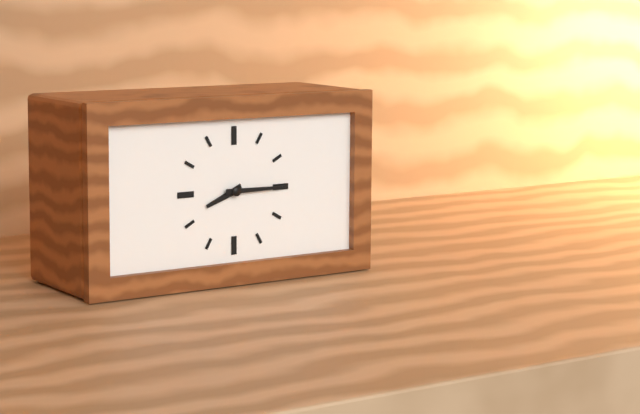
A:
8 h 15 min
